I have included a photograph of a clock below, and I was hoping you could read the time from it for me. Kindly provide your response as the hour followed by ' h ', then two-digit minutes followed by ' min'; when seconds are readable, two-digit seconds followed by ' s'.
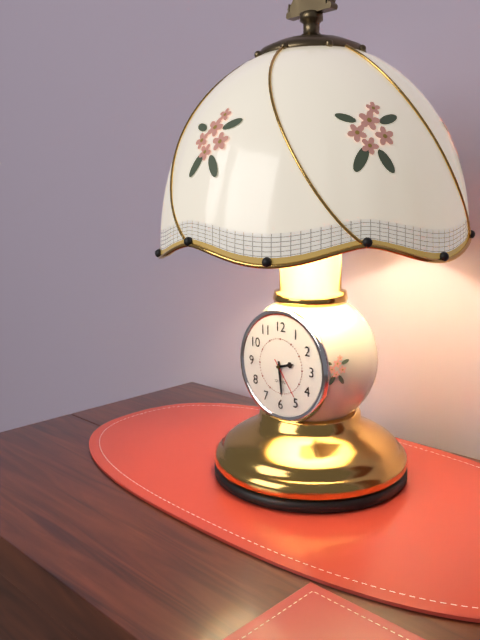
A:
2 h 29 min
